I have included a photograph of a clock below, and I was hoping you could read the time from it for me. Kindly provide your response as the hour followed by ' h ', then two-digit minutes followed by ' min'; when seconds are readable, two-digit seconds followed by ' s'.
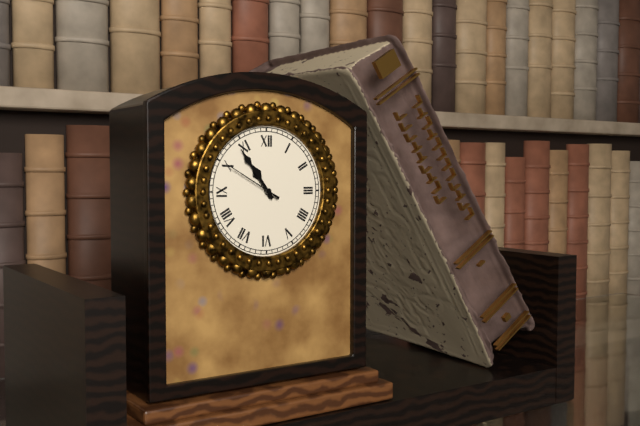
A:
10 h 54 min 50 s
